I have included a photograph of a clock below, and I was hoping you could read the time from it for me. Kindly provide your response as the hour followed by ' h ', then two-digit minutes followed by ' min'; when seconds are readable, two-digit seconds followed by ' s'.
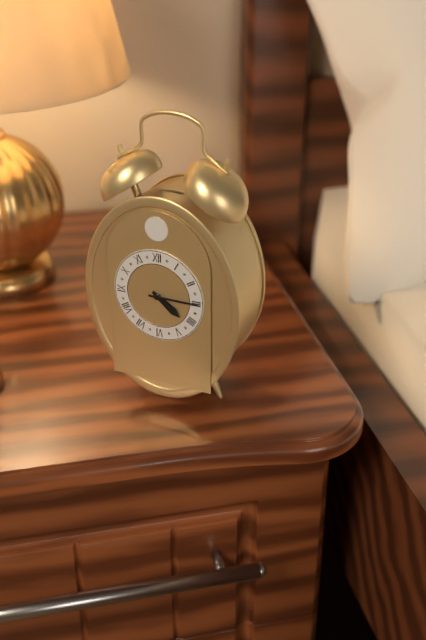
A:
4 h 15 min
